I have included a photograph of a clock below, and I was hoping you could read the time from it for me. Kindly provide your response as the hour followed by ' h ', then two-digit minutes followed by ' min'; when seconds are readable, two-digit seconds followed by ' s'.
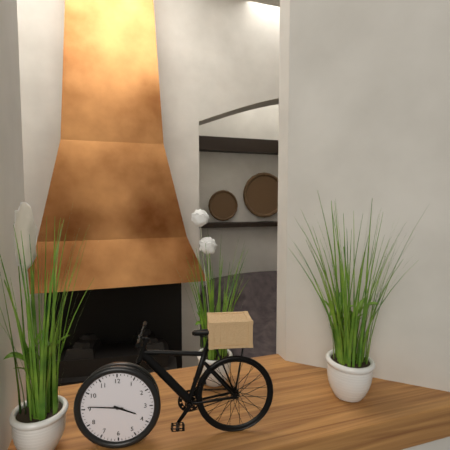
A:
3 h 46 min
